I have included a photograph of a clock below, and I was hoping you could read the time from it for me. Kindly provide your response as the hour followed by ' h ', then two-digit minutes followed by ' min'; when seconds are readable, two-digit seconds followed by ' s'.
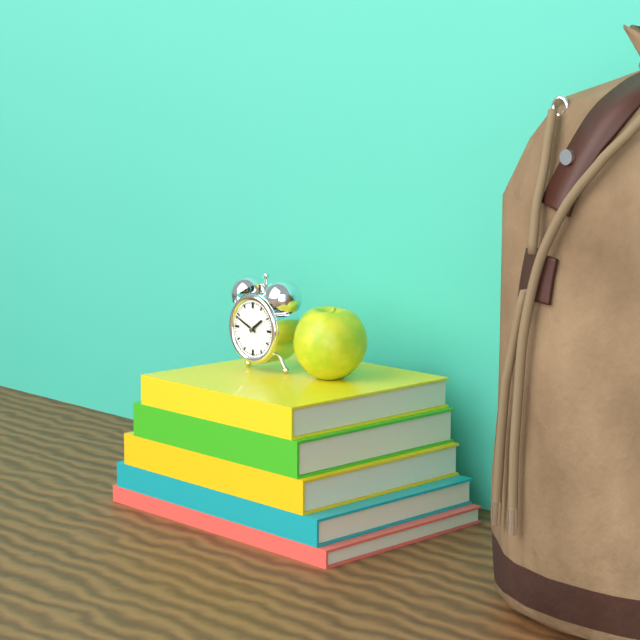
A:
1 h 49 min
